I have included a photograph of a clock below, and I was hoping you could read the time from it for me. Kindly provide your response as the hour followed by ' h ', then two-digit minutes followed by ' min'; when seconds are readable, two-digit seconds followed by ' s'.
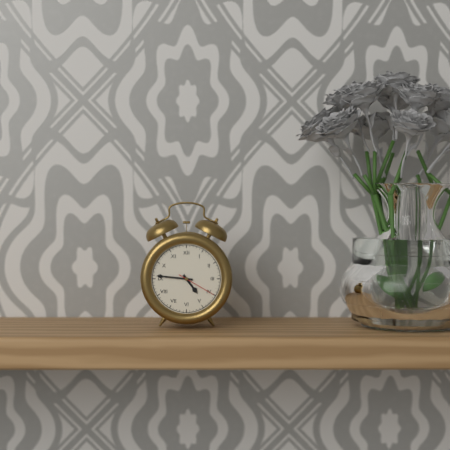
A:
4 h 46 min
